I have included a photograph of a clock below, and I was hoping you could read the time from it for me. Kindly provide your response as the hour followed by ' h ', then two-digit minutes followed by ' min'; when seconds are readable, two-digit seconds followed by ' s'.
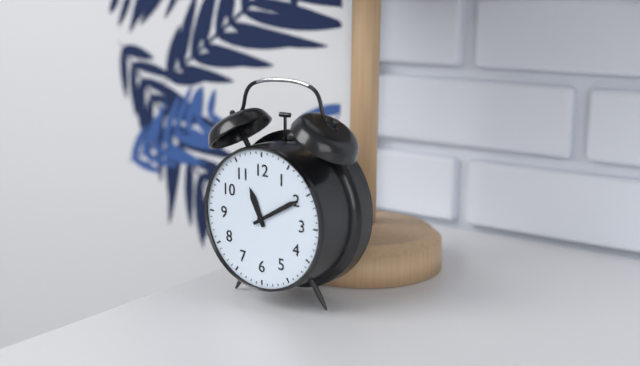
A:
11 h 10 min
